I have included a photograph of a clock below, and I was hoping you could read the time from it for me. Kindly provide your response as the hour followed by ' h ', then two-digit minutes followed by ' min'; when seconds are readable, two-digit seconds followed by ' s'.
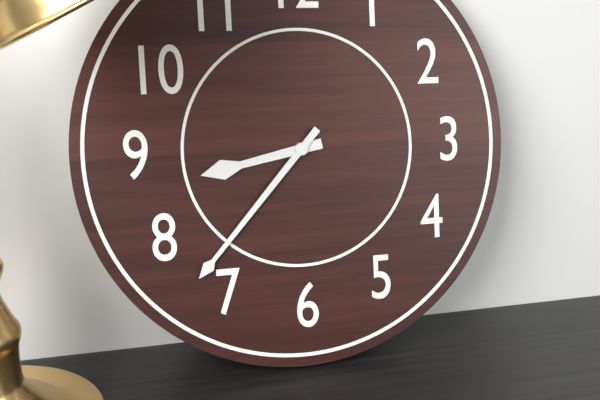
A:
8 h 37 min
